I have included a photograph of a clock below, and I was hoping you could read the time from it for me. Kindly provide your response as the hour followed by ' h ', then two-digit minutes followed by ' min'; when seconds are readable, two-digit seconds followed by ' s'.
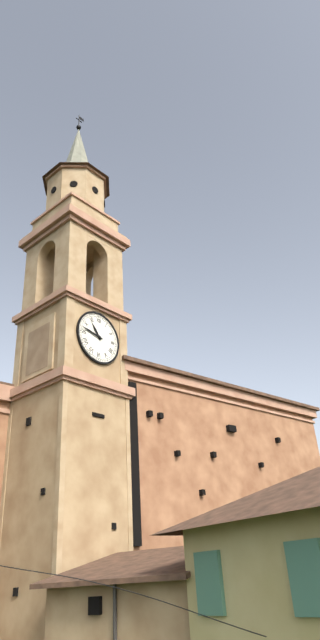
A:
10 h 47 min
